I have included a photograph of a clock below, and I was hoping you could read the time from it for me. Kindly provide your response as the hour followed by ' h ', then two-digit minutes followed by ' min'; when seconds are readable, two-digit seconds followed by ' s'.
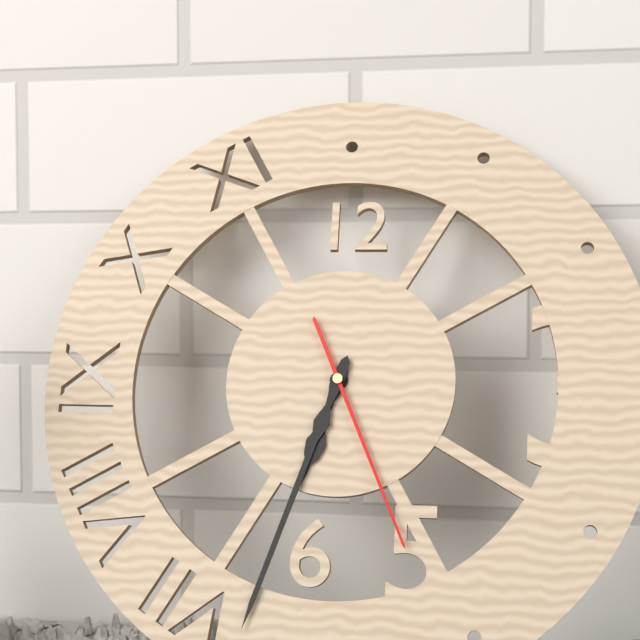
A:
6 h 33 min 26 s
